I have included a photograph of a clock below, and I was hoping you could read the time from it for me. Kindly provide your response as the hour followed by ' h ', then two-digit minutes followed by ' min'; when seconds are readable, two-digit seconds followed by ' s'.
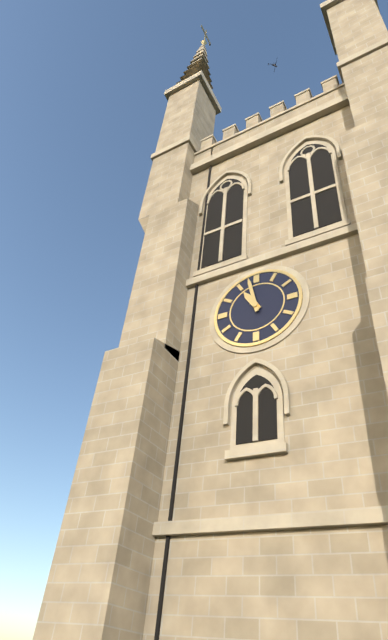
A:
10 h 58 min
